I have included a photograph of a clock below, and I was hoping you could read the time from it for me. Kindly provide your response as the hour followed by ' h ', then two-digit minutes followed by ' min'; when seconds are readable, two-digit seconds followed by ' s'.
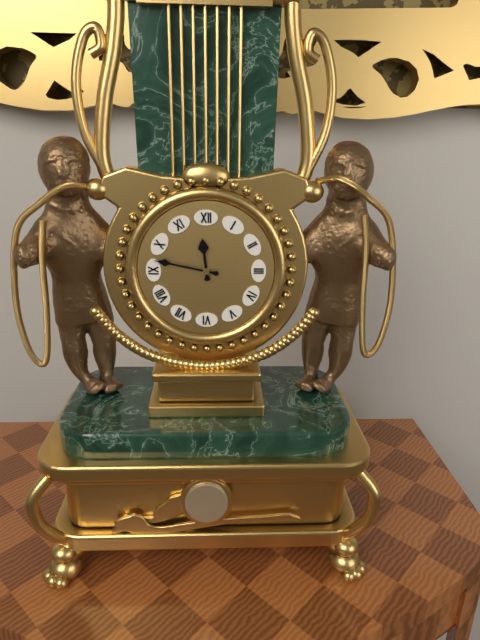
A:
11 h 47 min
